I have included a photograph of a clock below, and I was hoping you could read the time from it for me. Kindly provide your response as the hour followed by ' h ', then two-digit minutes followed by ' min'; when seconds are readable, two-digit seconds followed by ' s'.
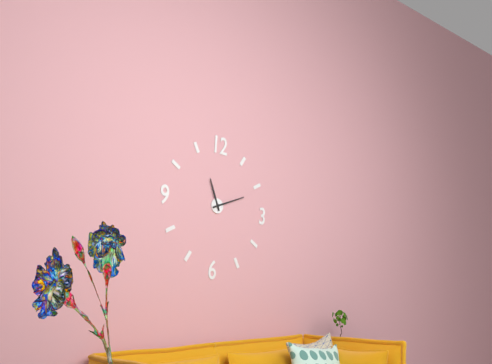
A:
11 h 11 min
